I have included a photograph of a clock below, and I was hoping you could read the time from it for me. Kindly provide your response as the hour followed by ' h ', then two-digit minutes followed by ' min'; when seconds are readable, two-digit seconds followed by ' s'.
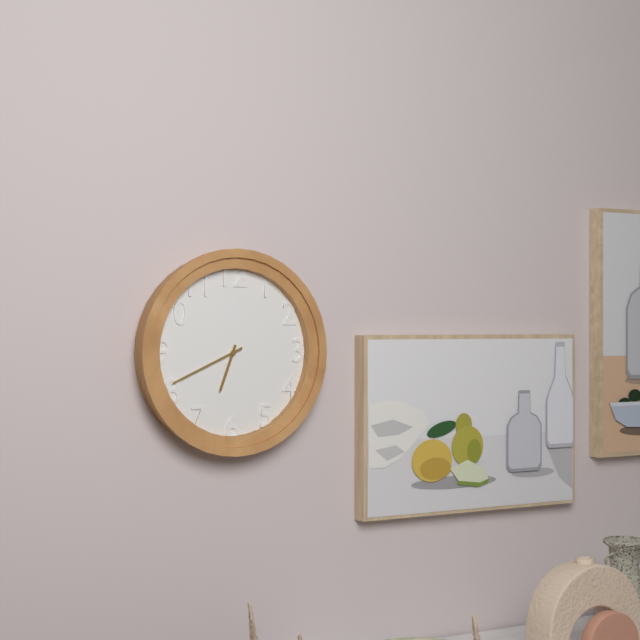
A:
6 h 41 min
